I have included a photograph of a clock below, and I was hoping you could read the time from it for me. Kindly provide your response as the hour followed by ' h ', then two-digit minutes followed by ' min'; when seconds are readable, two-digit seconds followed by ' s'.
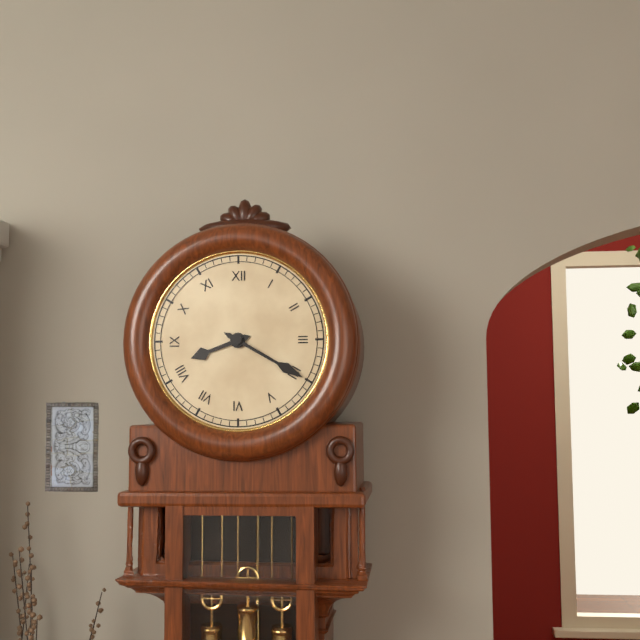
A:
8 h 20 min
